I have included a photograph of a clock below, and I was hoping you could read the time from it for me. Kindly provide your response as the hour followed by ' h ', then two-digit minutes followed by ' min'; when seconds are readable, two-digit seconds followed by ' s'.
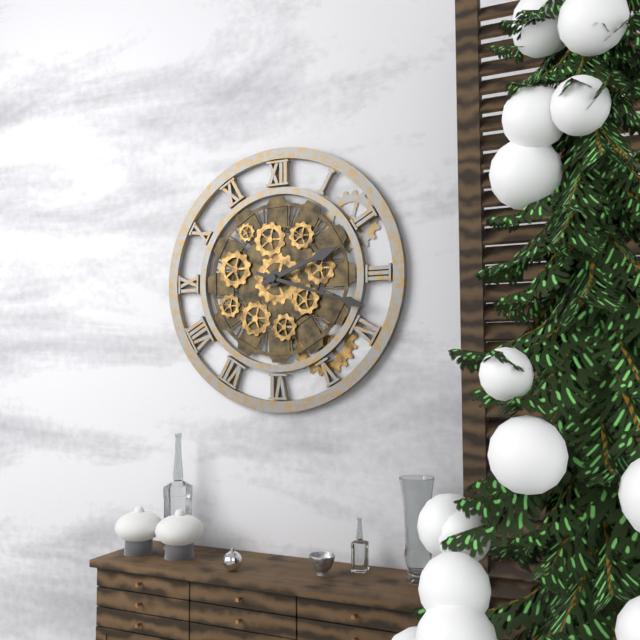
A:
2 h 18 min
